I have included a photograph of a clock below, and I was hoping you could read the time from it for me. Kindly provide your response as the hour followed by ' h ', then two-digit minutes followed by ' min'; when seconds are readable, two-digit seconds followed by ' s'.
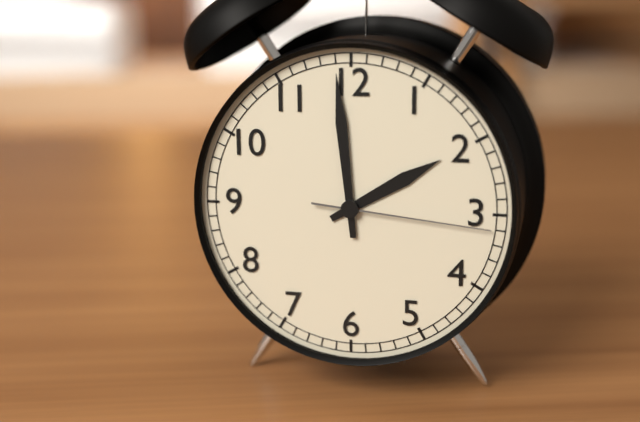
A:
1 h 59 min 16 s
